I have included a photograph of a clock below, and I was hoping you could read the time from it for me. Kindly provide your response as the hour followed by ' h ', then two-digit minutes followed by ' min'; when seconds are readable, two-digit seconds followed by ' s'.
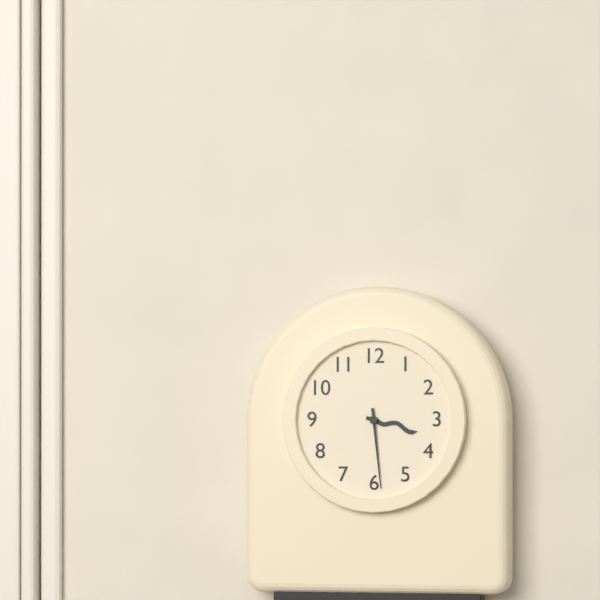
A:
3 h 29 min
